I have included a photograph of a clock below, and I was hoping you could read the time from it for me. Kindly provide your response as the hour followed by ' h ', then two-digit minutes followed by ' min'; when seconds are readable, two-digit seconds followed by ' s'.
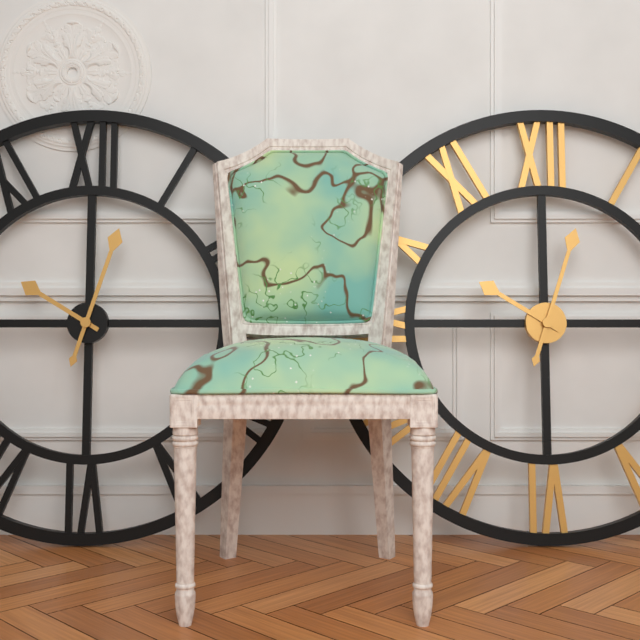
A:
10 h 03 min
